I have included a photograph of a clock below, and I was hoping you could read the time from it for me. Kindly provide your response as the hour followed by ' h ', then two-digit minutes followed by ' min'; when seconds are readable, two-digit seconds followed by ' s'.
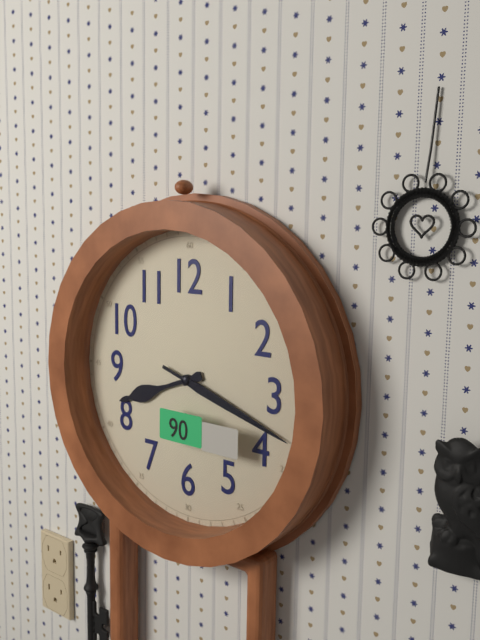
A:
8 h 18 min
